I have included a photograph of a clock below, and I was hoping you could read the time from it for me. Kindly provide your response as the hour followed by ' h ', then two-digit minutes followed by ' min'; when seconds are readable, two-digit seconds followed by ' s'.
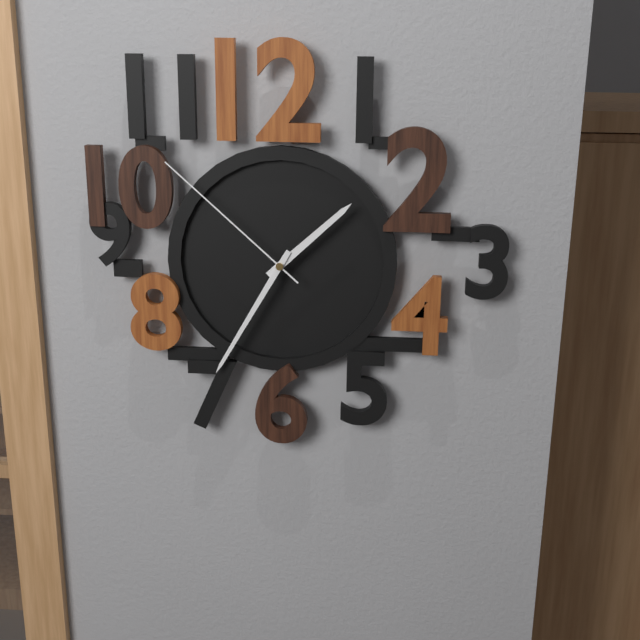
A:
1 h 35 min 52 s
